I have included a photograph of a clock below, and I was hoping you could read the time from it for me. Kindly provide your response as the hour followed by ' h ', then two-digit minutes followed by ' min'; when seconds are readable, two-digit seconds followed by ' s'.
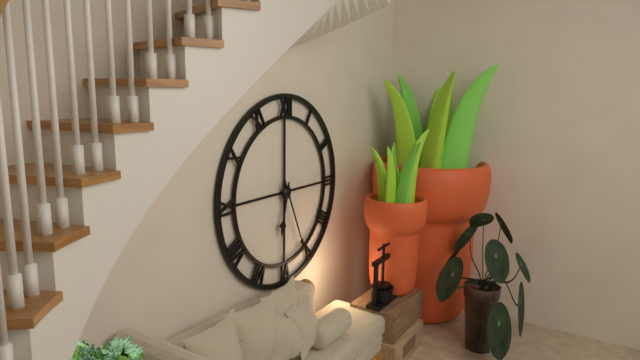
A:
6 h 26 min
